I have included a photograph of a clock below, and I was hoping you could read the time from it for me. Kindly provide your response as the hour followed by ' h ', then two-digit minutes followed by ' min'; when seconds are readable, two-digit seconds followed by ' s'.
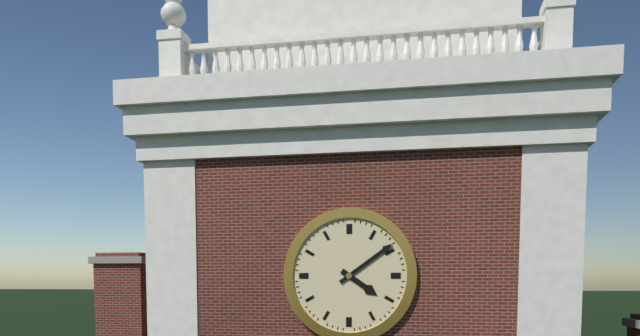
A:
4 h 09 min
